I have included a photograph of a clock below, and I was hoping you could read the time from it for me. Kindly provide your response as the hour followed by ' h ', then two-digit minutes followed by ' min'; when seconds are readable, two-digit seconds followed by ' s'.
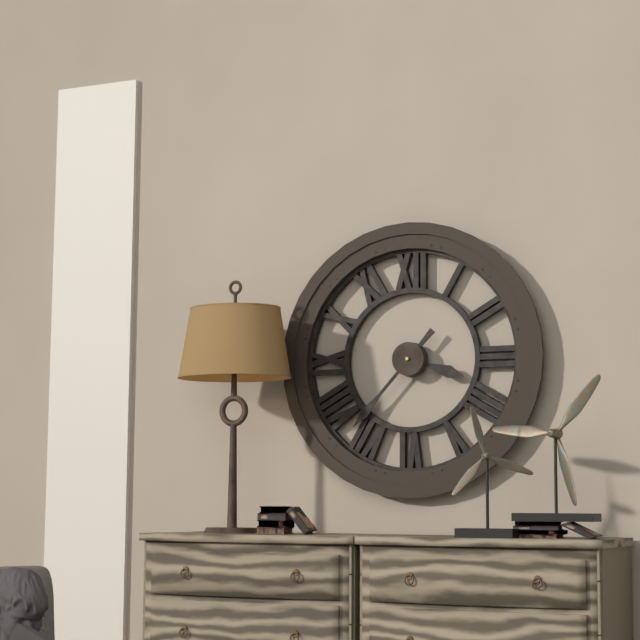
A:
3 h 37 min
